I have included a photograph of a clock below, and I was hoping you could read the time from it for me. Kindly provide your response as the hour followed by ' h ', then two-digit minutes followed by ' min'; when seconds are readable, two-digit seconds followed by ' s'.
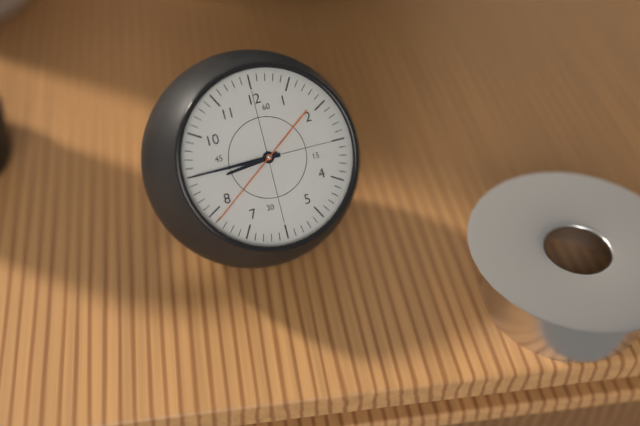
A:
8 h 45 min 39 s
